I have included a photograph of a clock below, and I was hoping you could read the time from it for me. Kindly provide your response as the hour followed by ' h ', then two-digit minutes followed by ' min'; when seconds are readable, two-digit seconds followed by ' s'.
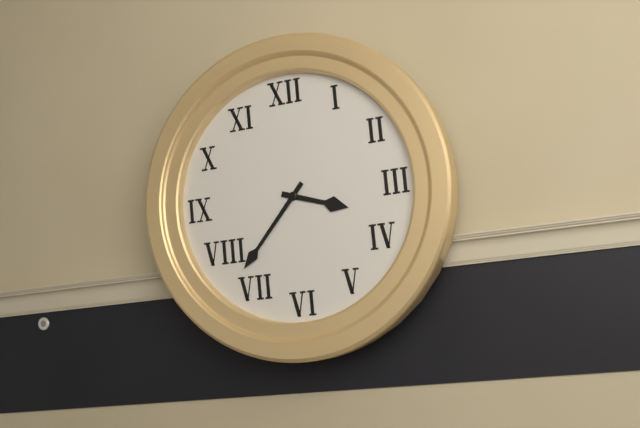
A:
3 h 37 min
